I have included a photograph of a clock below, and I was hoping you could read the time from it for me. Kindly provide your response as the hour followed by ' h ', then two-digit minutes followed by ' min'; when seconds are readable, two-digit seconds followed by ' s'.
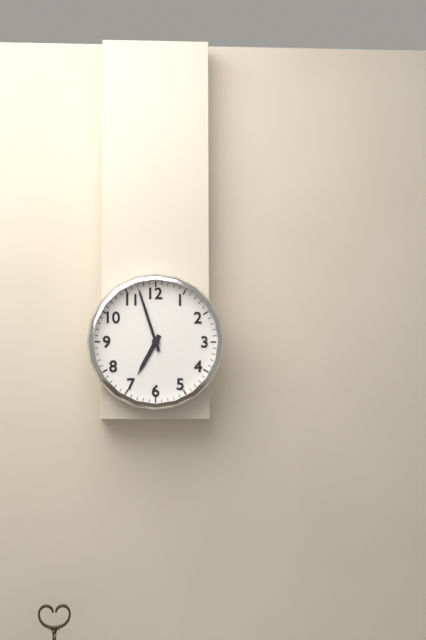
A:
6 h 57 min
